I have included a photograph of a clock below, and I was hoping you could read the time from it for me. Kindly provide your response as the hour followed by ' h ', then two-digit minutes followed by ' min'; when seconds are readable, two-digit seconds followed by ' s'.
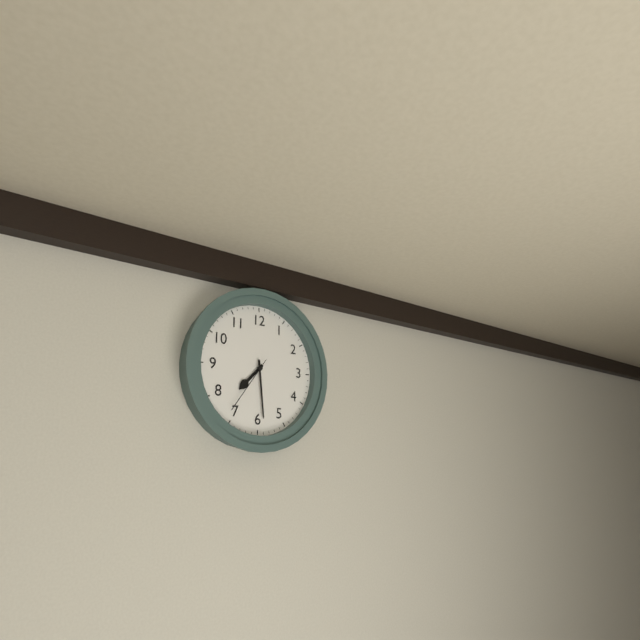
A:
7 h 29 min 36 s
